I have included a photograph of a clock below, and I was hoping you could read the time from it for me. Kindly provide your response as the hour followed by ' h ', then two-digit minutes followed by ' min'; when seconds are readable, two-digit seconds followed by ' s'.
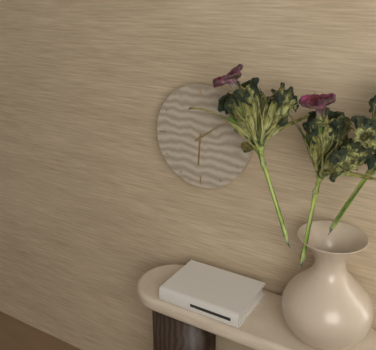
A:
6 h 09 min
